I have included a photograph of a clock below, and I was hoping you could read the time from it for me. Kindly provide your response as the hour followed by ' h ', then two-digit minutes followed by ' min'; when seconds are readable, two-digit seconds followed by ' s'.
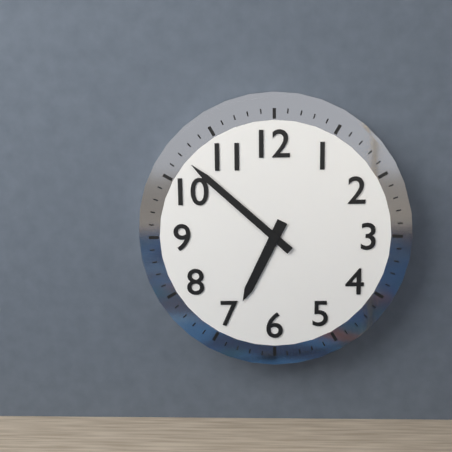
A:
6 h 52 min
